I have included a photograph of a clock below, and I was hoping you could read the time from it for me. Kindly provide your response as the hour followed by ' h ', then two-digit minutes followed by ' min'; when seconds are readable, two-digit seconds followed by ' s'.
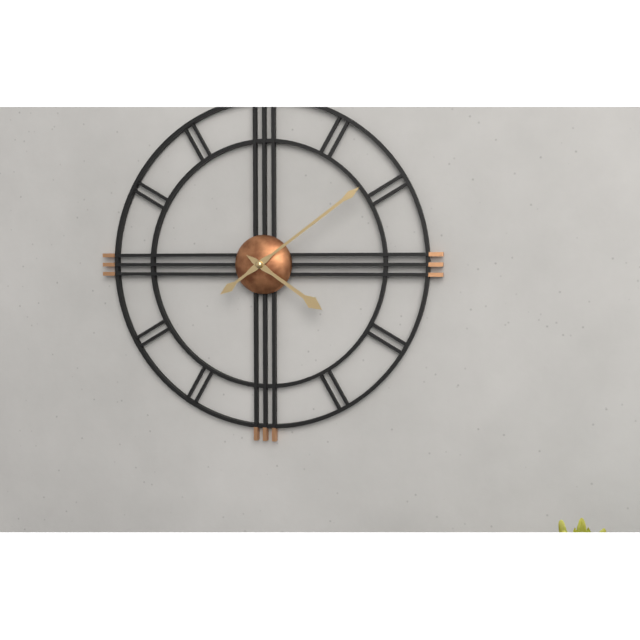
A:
4 h 09 min
